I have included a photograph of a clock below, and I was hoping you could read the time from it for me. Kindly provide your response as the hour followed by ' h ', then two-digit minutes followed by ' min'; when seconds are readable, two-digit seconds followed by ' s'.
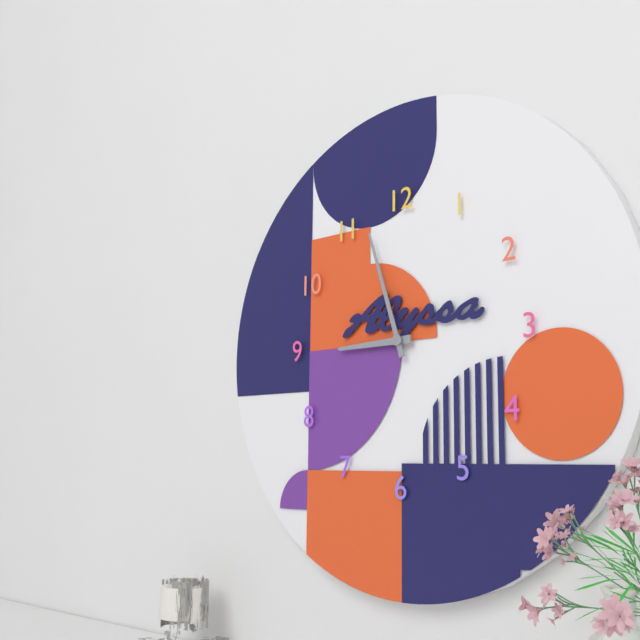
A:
8 h 57 min
